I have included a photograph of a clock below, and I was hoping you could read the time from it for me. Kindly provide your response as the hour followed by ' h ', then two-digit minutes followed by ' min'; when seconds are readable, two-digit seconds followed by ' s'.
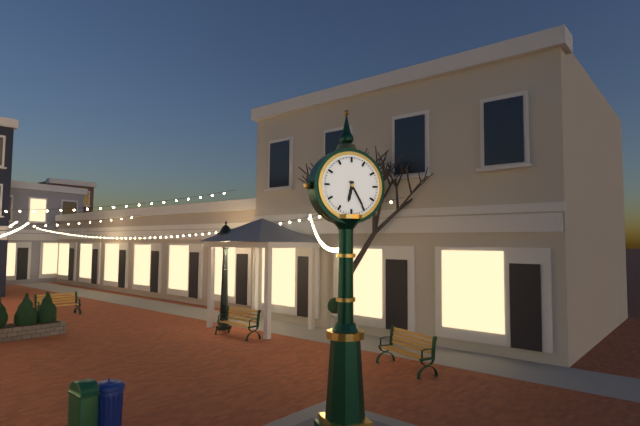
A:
6 h 25 min
